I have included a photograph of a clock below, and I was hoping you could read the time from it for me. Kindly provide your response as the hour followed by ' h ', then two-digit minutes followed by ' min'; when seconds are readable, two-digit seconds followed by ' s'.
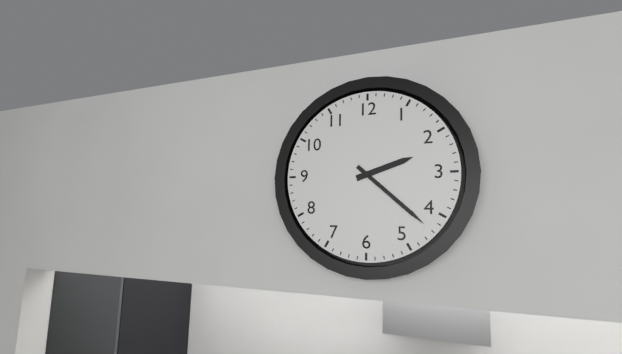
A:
2 h 22 min
